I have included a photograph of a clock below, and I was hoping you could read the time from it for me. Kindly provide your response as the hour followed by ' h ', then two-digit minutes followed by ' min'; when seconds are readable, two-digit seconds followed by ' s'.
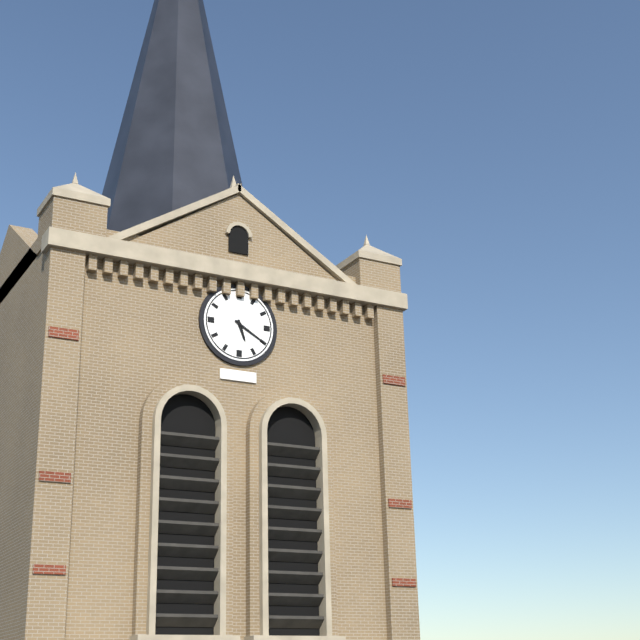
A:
5 h 20 min
